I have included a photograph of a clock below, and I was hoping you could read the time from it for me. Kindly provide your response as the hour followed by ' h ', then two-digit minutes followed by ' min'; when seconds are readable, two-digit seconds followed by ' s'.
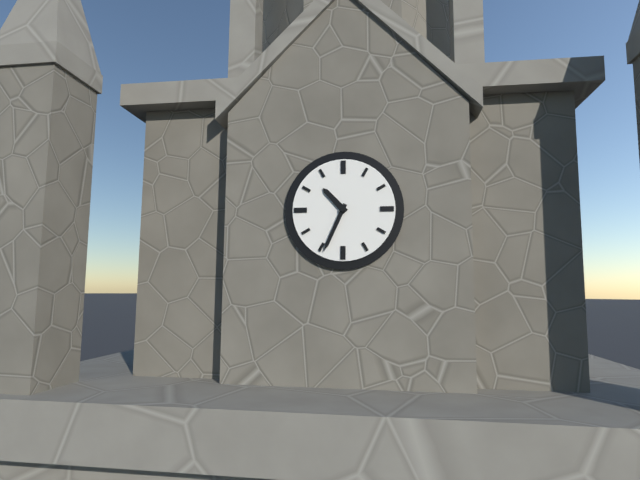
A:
10 h 34 min
